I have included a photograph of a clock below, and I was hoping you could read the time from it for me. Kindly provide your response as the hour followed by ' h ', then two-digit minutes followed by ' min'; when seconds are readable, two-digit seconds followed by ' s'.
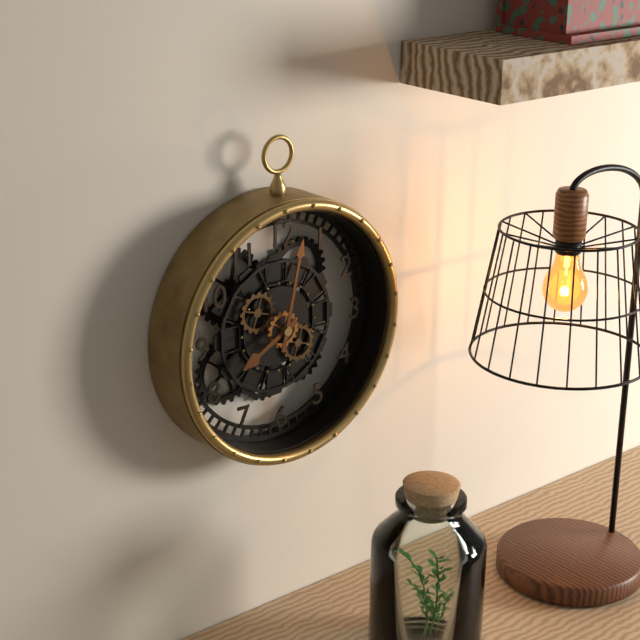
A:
8 h 02 min
